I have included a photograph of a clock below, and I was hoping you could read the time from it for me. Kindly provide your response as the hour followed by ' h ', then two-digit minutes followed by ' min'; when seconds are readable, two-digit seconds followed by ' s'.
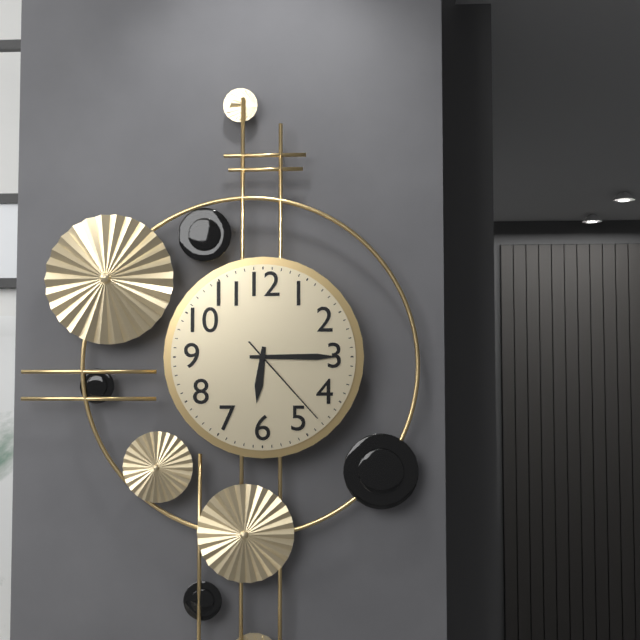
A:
6 h 15 min 23 s
